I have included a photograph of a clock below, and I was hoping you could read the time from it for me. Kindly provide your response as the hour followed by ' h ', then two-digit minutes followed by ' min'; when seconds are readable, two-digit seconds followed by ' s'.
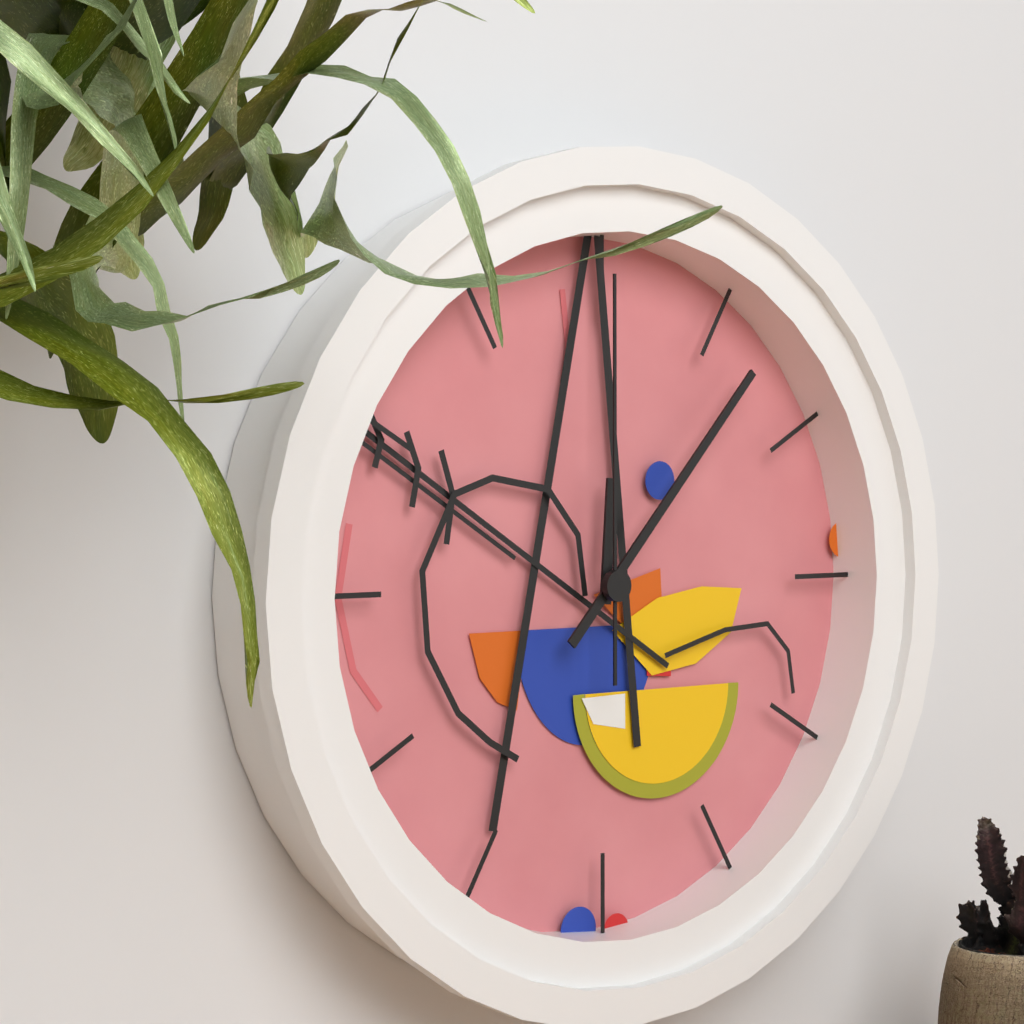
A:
12 h 07 min 00 s
